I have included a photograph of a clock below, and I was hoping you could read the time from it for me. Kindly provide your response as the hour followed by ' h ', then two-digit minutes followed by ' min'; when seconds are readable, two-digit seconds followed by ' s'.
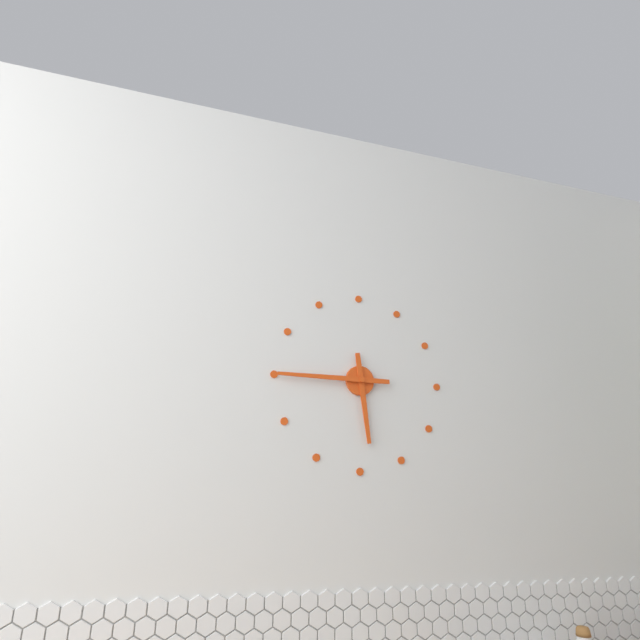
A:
5 h 45 min
